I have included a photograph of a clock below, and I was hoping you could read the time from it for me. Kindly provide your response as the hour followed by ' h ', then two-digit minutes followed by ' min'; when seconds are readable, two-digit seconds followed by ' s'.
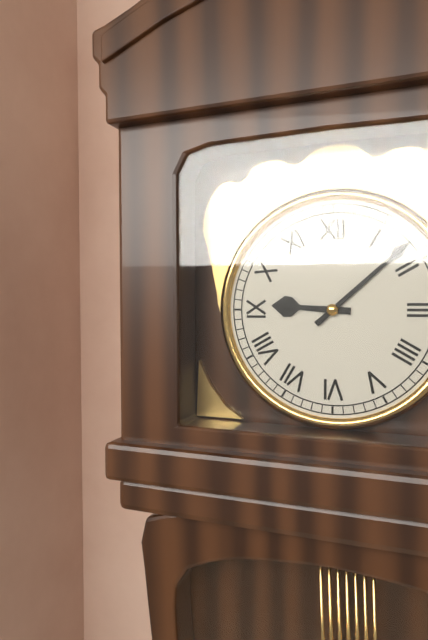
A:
9 h 08 min
